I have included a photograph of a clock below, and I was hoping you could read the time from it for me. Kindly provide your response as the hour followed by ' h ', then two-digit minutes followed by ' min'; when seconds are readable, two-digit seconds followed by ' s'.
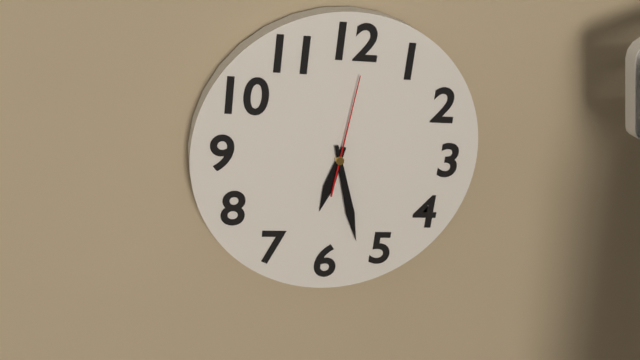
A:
6 h 27 min 01 s
